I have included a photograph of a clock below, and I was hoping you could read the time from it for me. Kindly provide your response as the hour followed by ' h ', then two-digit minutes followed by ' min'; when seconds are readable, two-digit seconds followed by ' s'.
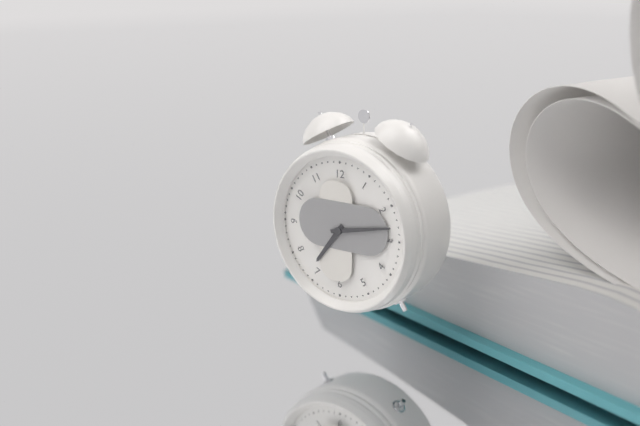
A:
7 h 13 min
